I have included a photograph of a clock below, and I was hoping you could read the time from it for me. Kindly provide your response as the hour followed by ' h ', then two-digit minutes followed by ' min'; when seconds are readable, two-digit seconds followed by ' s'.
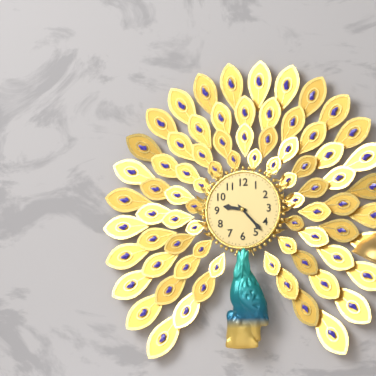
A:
9 h 23 min
